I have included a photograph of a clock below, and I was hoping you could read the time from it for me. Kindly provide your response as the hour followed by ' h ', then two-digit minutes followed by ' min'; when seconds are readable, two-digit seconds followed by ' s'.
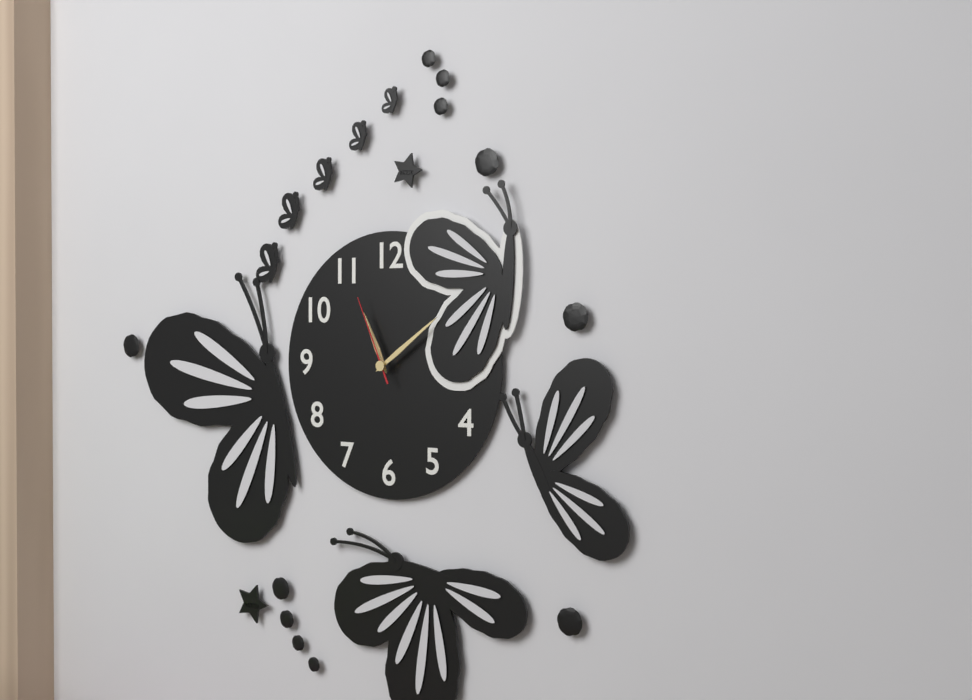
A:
11 h 09 min 56 s
